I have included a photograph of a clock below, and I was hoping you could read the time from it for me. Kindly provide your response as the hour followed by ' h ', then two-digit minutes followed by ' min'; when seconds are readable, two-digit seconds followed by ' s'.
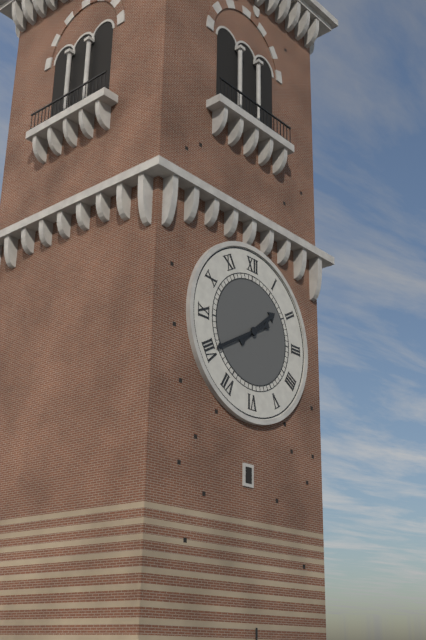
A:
1 h 40 min
